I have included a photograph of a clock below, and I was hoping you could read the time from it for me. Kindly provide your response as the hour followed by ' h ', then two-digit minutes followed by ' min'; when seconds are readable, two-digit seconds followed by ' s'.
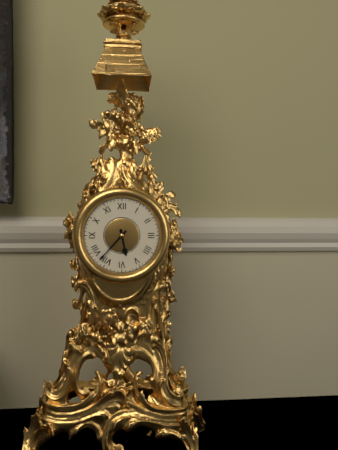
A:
5 h 37 min
